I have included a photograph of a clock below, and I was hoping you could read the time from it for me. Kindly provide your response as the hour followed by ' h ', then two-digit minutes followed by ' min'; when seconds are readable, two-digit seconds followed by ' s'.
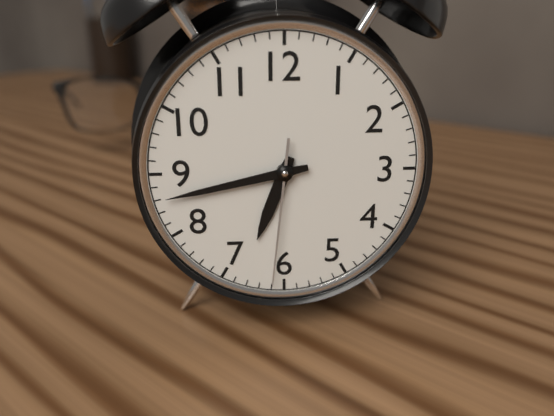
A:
6 h 43 min 31 s
